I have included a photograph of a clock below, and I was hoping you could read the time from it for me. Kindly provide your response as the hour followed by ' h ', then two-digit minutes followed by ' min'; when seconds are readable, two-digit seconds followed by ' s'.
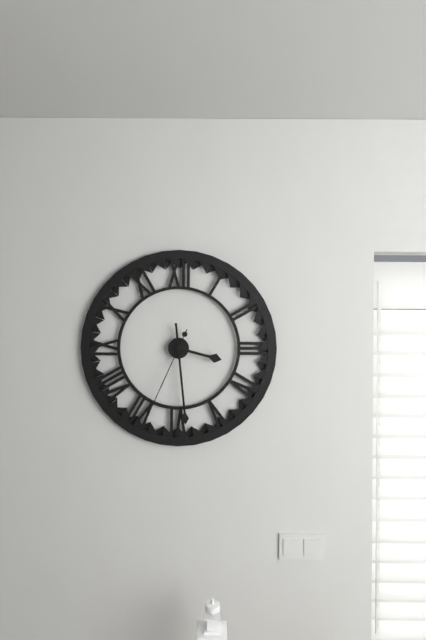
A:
3 h 29 min 34 s
